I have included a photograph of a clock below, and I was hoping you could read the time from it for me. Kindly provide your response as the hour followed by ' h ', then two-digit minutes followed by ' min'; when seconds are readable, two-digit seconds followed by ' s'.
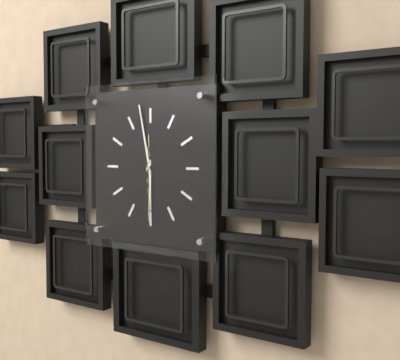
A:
5 h 58 min 30 s
